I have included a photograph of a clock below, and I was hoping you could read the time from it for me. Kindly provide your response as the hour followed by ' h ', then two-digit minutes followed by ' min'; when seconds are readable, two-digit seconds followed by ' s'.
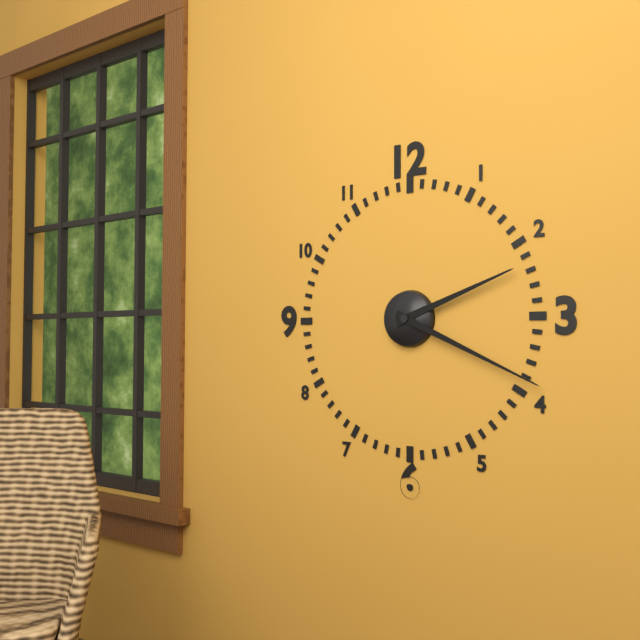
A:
2 h 19 min
